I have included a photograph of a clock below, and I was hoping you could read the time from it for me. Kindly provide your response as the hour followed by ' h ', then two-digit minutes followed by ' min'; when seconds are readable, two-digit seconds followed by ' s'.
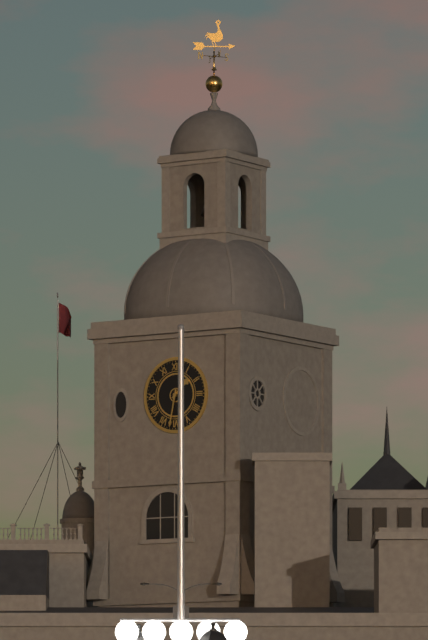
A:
1 h 32 min
